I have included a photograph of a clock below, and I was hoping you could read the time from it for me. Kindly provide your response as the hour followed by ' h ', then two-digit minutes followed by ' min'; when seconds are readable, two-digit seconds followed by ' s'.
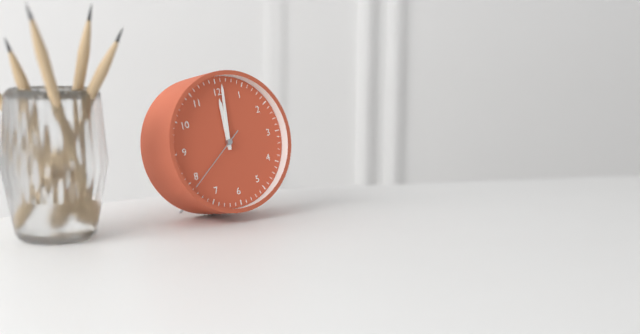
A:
12 h 01 min 39 s
